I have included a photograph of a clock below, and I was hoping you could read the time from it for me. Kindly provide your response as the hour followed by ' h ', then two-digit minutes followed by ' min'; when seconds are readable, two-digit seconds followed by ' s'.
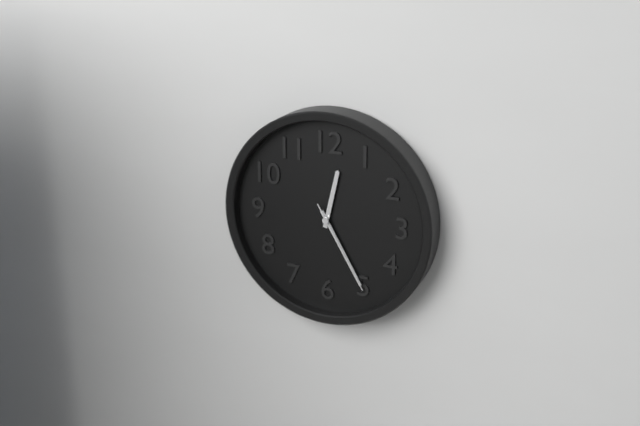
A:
12 h 25 min 25 s
